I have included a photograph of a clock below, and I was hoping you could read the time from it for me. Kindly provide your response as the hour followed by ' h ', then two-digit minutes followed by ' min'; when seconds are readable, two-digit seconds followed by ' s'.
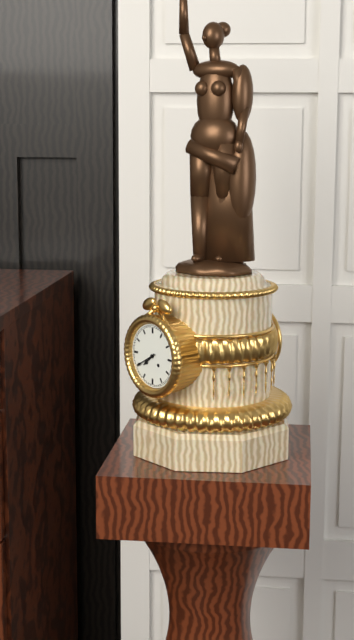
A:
7 h 40 min
